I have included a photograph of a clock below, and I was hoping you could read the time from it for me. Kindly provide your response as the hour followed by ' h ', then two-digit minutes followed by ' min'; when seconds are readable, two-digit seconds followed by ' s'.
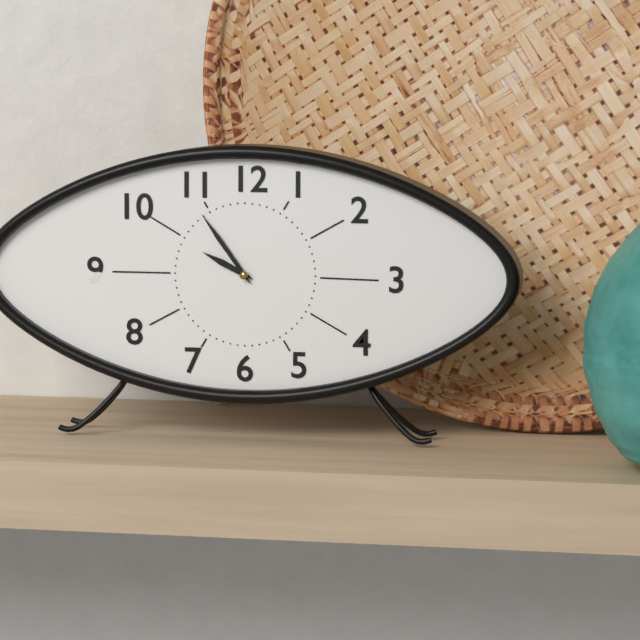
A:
9 h 54 min
